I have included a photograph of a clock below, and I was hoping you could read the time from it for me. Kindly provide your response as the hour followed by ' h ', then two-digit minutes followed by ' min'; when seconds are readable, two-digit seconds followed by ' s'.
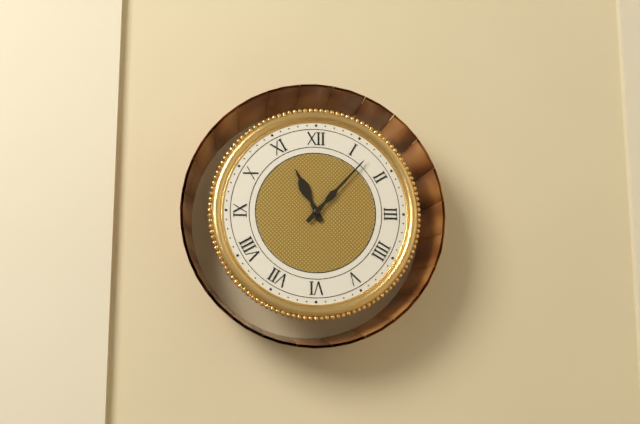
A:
11 h 07 min
